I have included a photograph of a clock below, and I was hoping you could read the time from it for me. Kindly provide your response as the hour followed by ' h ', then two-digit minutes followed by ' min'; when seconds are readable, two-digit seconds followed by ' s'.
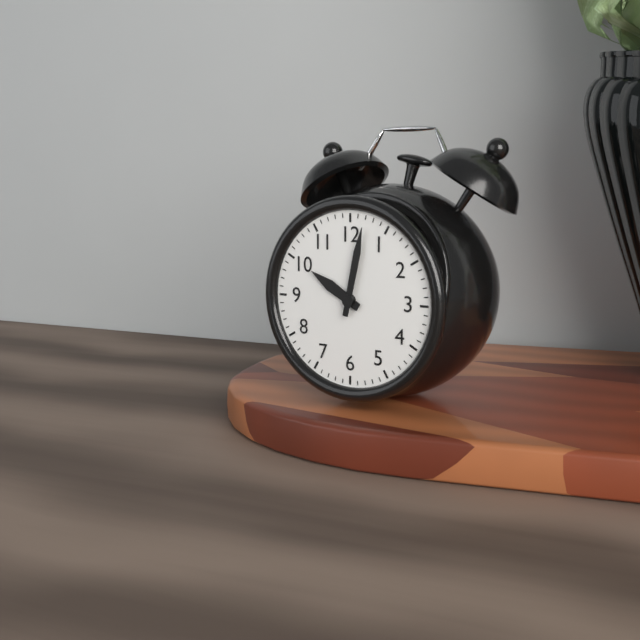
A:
10 h 02 min
